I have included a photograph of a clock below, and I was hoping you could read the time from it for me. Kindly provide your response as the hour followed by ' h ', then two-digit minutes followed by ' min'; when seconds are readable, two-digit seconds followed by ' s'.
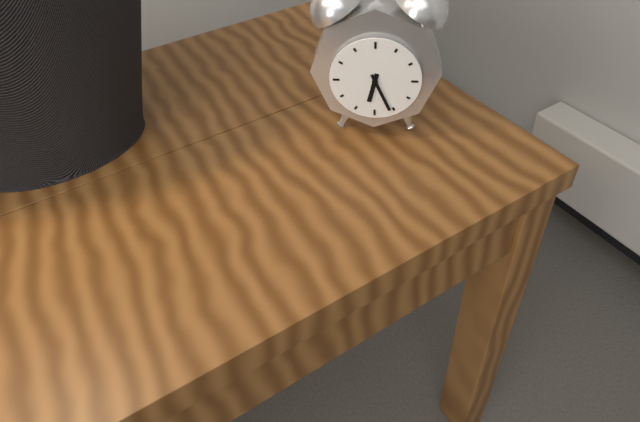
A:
6 h 26 min
